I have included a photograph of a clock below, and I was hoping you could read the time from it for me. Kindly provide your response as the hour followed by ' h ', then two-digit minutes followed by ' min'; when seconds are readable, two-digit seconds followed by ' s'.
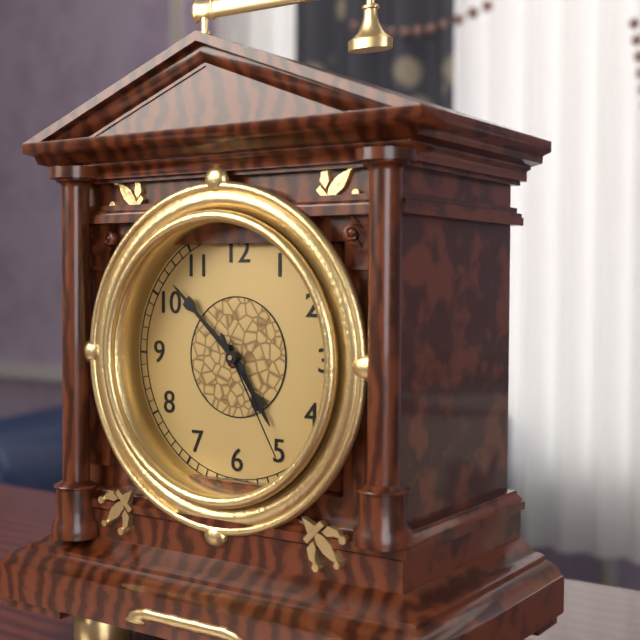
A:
4 h 52 min 25 s
